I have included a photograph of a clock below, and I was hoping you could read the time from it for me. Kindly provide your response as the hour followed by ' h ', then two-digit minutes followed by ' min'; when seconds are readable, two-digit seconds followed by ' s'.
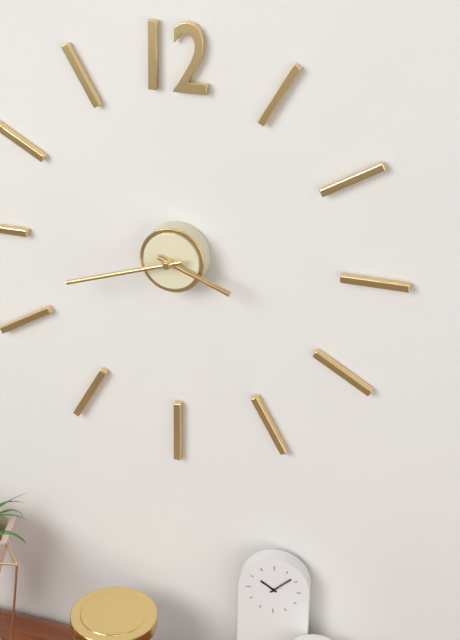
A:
3 h 42 min
